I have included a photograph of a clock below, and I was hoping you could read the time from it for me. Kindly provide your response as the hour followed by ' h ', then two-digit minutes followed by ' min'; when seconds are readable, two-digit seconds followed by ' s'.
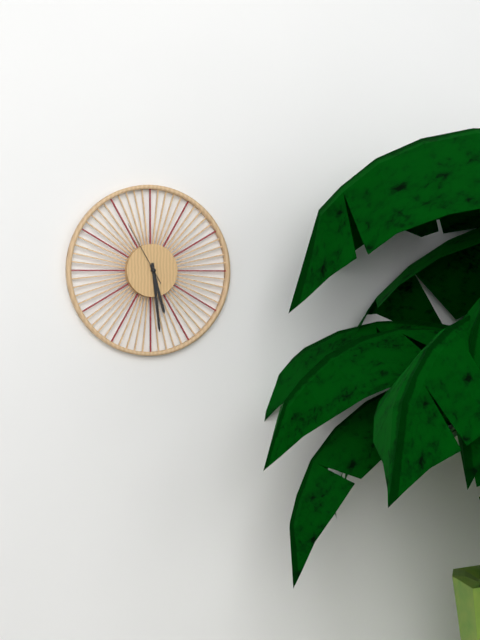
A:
5 h 29 min 55 s
